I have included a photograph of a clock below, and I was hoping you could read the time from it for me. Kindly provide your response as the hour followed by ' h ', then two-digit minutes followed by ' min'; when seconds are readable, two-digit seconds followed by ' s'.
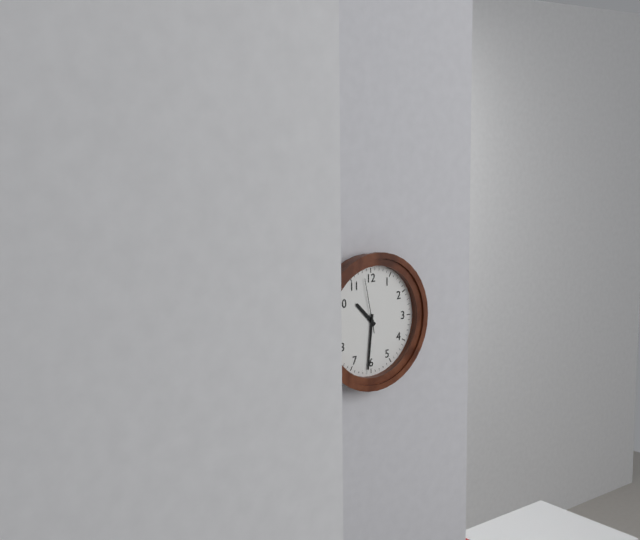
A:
10 h 31 min 58 s
